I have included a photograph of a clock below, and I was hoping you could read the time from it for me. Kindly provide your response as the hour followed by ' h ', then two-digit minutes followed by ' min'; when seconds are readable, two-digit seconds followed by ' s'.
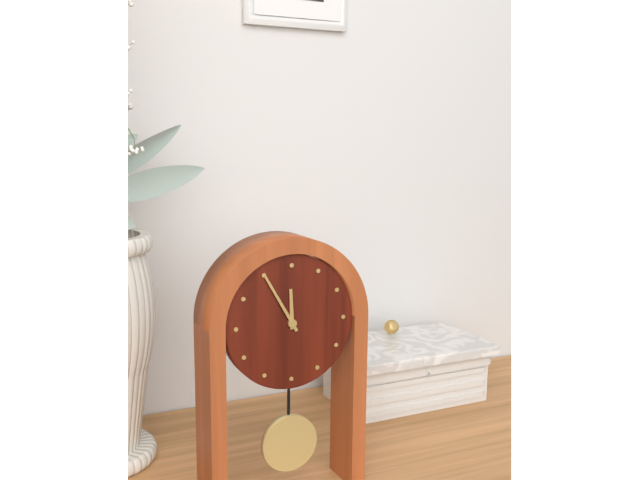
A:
11 h 55 min
